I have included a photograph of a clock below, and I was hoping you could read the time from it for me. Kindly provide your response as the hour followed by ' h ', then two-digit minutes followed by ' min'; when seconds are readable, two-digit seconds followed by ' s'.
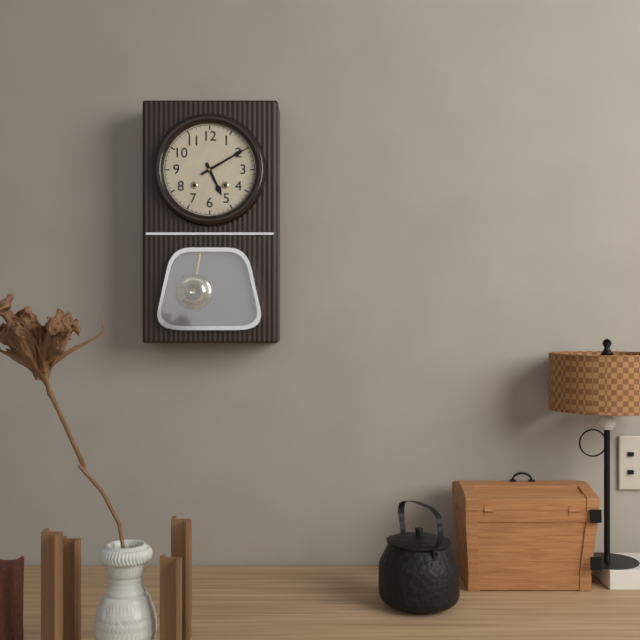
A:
5 h 10 min
